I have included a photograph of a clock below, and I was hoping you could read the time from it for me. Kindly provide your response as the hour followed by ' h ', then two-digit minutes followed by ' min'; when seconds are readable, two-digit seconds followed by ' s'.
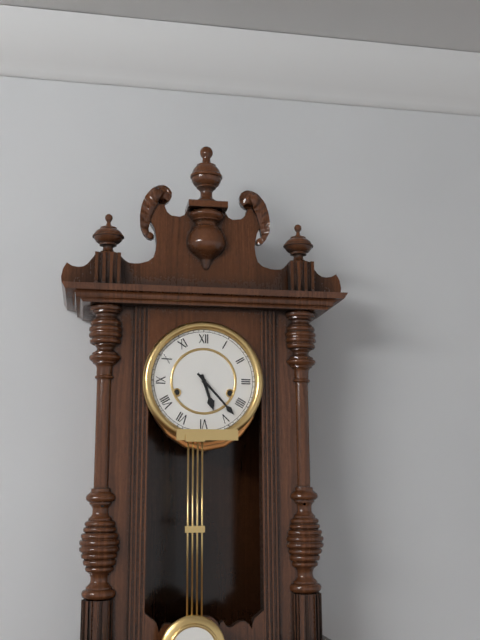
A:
5 h 23 min
